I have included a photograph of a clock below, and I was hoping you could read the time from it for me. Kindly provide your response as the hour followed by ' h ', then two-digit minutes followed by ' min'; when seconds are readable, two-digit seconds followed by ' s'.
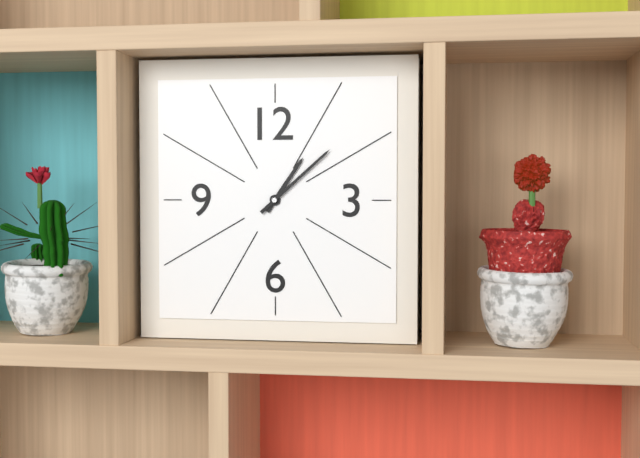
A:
1 h 08 min
